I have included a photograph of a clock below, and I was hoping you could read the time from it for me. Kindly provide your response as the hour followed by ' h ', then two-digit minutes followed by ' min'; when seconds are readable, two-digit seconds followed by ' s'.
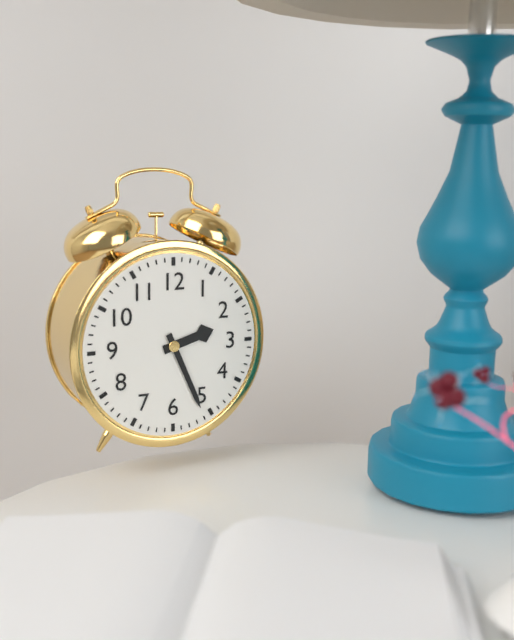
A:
2 h 26 min
